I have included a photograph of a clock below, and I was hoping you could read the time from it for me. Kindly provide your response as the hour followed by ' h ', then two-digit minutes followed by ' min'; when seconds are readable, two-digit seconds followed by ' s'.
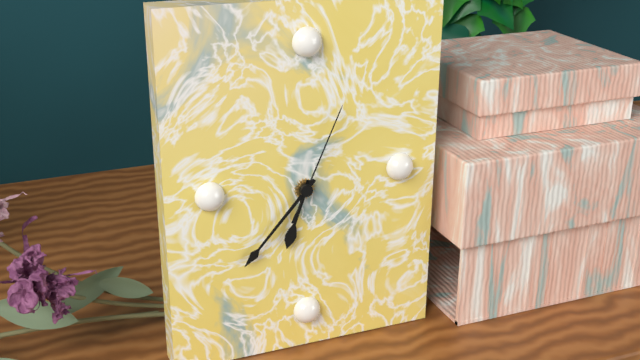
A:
6 h 37 min 04 s
